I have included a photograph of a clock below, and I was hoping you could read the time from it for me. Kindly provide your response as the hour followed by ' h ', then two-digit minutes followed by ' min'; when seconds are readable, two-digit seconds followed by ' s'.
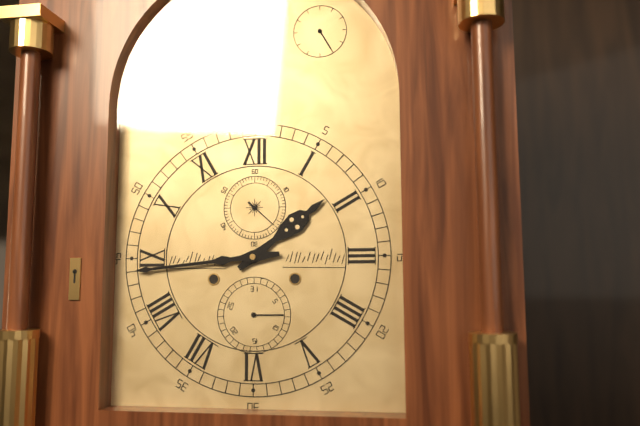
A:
1 h 44 min
